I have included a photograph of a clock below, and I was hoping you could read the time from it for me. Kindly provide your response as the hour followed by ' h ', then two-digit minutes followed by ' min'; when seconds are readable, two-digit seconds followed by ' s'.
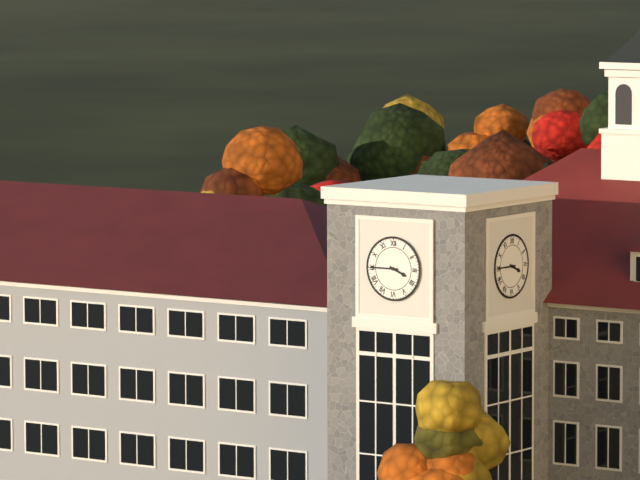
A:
3 h 45 min
